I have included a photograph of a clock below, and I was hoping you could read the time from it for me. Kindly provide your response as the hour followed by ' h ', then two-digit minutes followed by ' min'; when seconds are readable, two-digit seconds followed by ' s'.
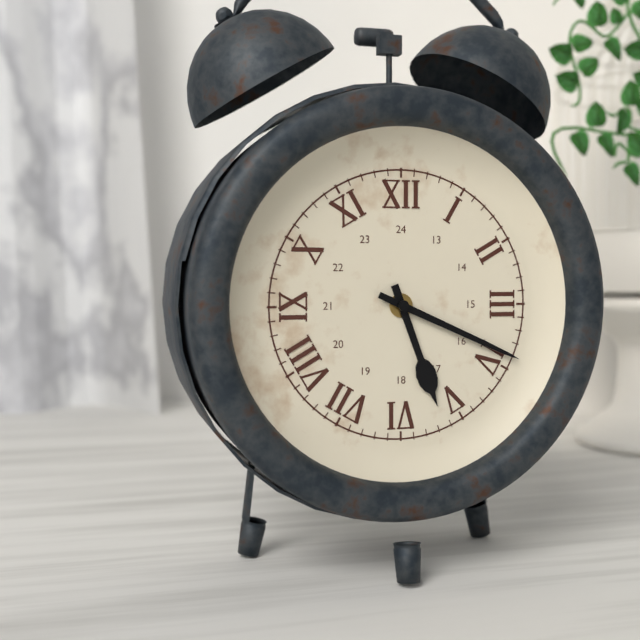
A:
5 h 19 min
